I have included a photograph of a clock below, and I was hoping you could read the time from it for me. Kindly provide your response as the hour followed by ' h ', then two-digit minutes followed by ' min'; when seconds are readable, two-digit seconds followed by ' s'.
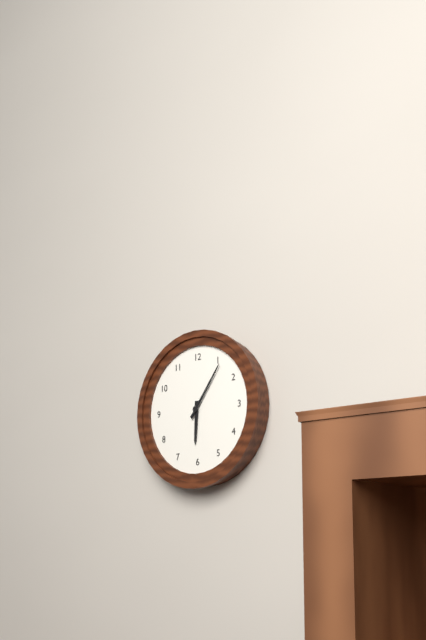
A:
6 h 06 min
